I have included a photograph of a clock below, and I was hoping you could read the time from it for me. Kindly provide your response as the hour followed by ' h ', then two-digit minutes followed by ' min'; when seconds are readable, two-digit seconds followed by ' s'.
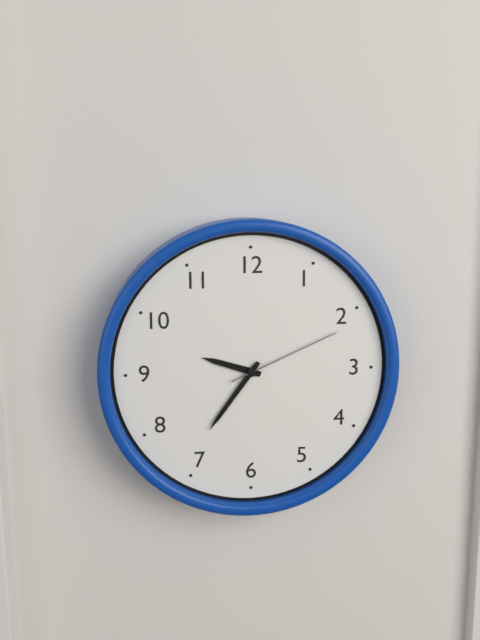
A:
9 h 36 min 11 s
